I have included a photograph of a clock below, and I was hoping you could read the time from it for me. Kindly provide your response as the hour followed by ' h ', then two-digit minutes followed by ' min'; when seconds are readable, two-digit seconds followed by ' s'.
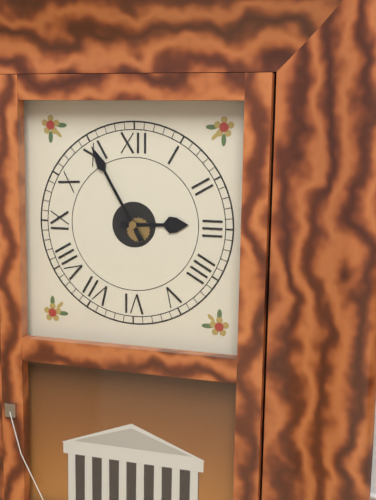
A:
2 h 55 min
